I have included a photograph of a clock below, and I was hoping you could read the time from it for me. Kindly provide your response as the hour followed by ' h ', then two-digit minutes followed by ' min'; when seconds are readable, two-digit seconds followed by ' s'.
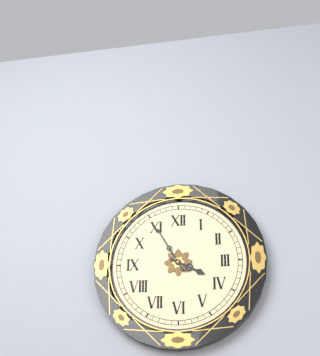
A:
3 h 55 min
